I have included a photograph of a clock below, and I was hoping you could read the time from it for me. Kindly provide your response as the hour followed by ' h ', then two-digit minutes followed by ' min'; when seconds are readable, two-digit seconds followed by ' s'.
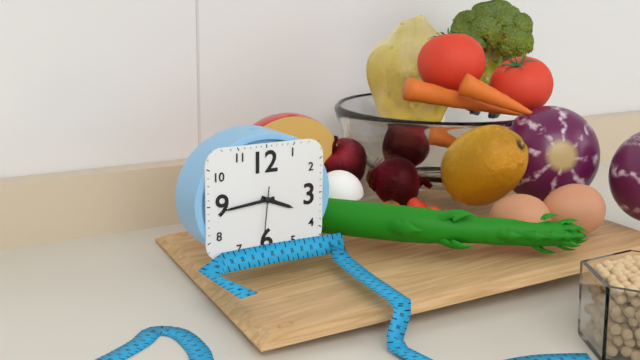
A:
3 h 44 min 31 s
